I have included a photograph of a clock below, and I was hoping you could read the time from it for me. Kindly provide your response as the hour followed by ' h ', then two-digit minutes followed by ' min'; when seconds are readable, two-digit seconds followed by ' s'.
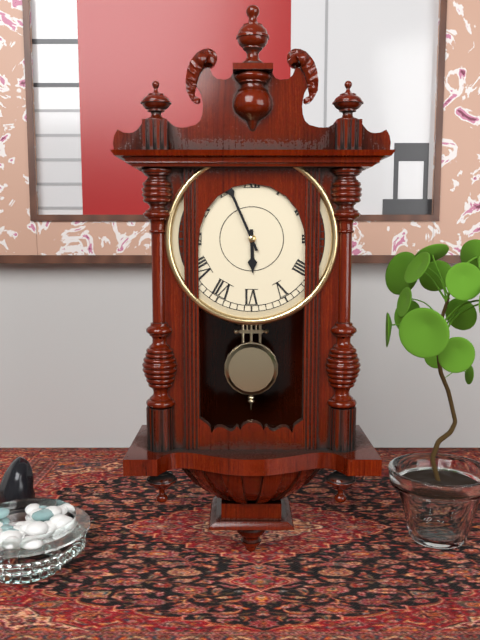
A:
5 h 56 min
